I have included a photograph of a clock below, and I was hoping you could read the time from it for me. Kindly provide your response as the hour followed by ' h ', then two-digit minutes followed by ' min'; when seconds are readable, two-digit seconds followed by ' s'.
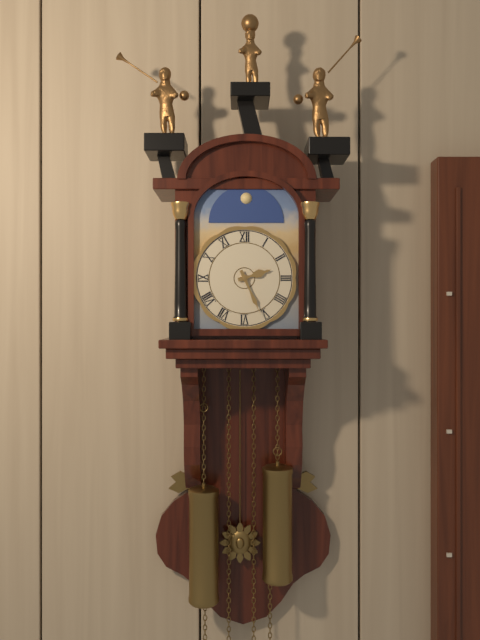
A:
2 h 26 min
